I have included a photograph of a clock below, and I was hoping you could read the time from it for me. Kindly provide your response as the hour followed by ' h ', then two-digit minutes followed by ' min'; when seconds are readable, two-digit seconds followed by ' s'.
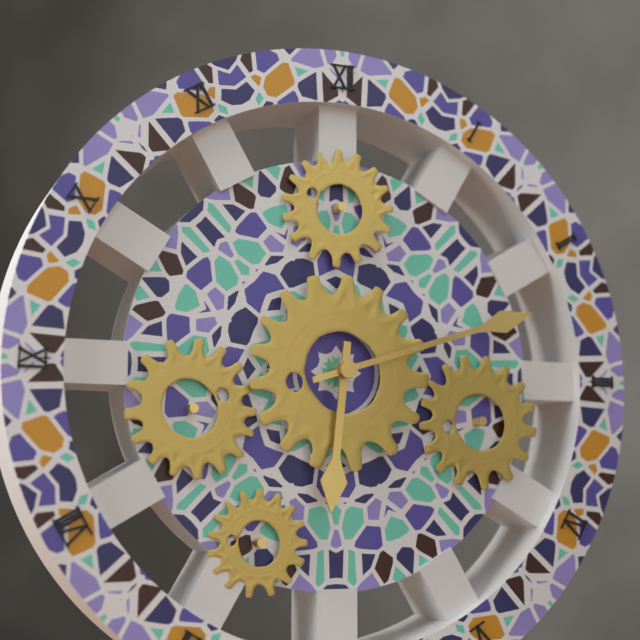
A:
6 h 12 min
